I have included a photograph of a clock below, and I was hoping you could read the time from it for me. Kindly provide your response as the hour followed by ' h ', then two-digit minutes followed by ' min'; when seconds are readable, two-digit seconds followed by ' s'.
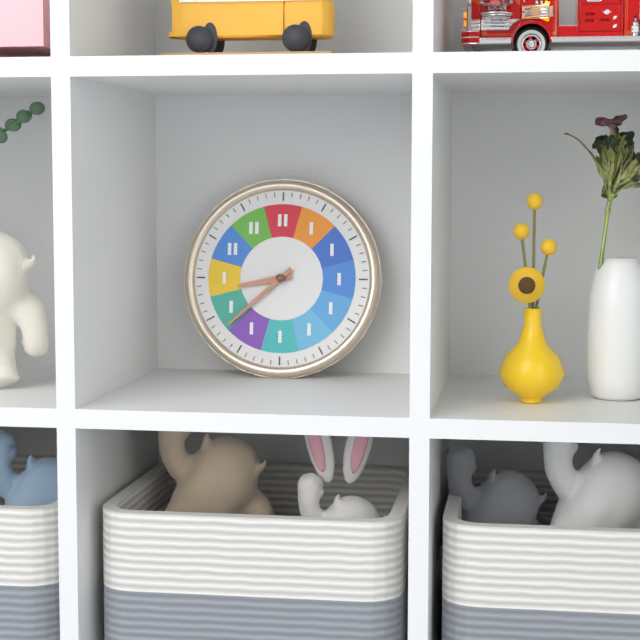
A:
8 h 38 min
